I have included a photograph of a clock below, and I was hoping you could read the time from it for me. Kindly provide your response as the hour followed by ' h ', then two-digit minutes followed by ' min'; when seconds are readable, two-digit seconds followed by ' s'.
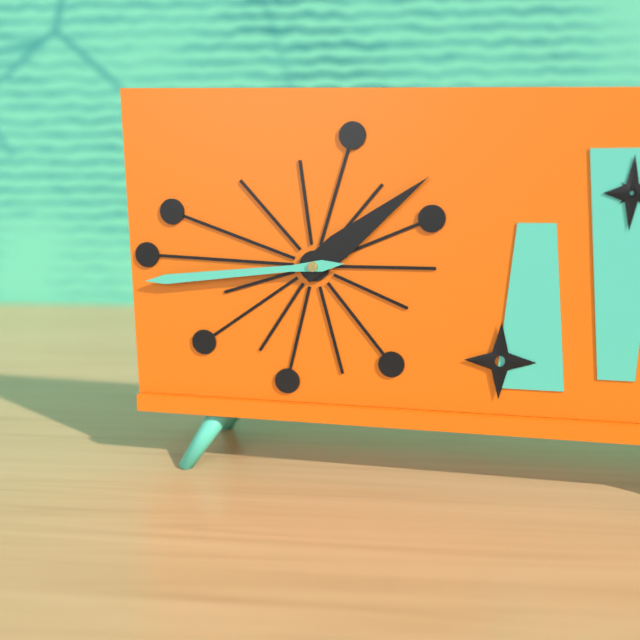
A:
1 h 44 min
